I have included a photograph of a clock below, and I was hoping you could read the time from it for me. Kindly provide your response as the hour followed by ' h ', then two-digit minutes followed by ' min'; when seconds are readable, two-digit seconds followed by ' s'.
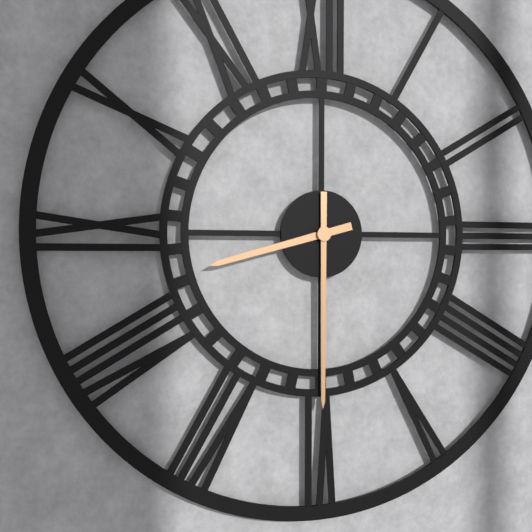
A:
8 h 30 min
